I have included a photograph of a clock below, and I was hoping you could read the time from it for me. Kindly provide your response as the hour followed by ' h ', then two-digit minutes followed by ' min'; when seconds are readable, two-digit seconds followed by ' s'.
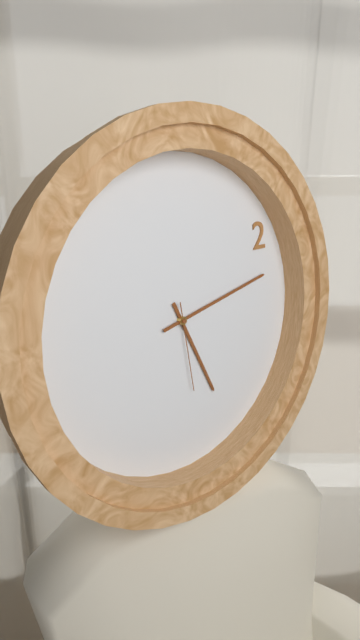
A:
5 h 13 min 29 s
